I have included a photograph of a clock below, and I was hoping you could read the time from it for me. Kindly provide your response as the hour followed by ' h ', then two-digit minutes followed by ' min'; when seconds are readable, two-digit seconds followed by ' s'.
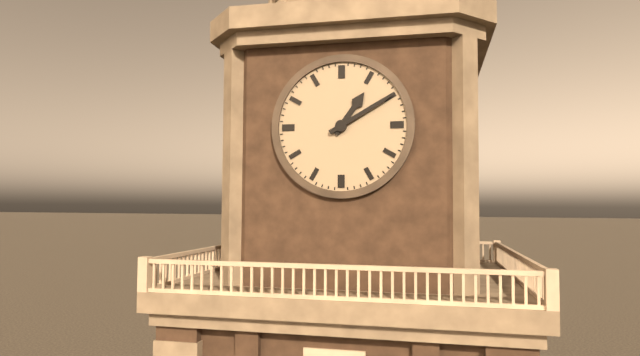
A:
1 h 10 min
